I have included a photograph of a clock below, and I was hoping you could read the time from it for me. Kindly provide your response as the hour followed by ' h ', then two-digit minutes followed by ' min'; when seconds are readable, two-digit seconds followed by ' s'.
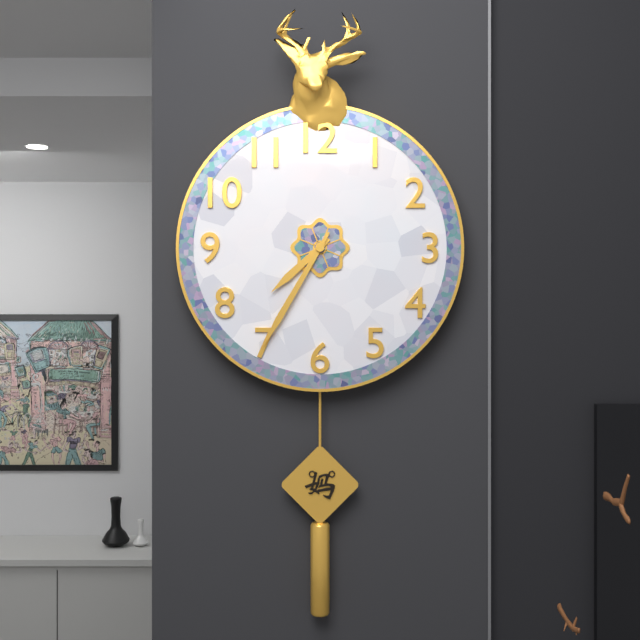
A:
7 h 35 min
